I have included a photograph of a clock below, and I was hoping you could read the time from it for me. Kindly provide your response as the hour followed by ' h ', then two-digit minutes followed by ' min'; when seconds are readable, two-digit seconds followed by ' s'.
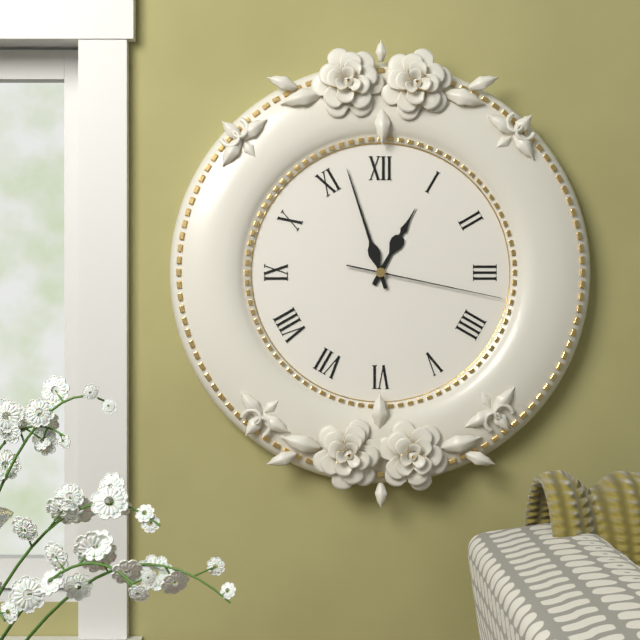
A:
12 h 57 min 17 s
